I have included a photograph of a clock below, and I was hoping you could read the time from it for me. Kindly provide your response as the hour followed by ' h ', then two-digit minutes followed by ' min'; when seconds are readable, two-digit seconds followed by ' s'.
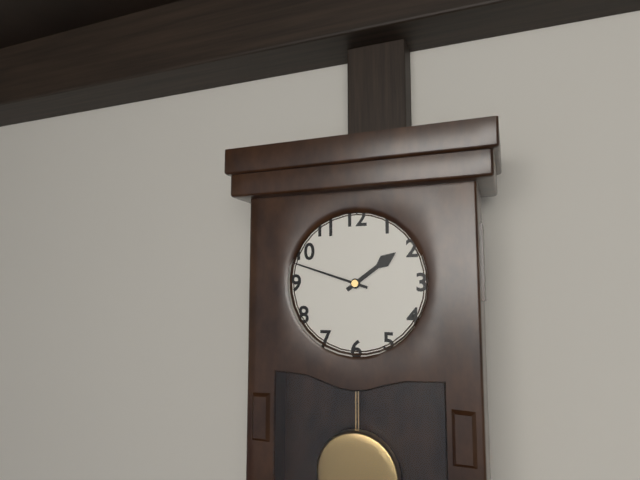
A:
1 h 48 min
